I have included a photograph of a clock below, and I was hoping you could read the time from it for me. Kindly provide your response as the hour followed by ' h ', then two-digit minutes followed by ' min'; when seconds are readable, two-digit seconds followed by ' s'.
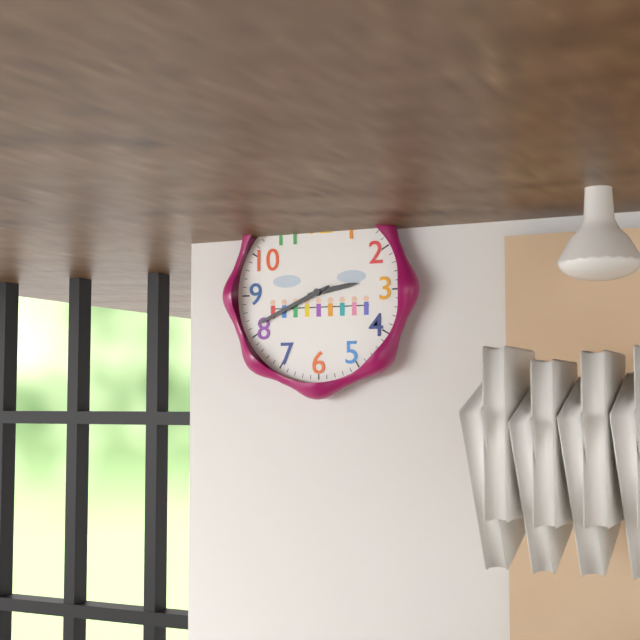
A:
2 h 41 min
